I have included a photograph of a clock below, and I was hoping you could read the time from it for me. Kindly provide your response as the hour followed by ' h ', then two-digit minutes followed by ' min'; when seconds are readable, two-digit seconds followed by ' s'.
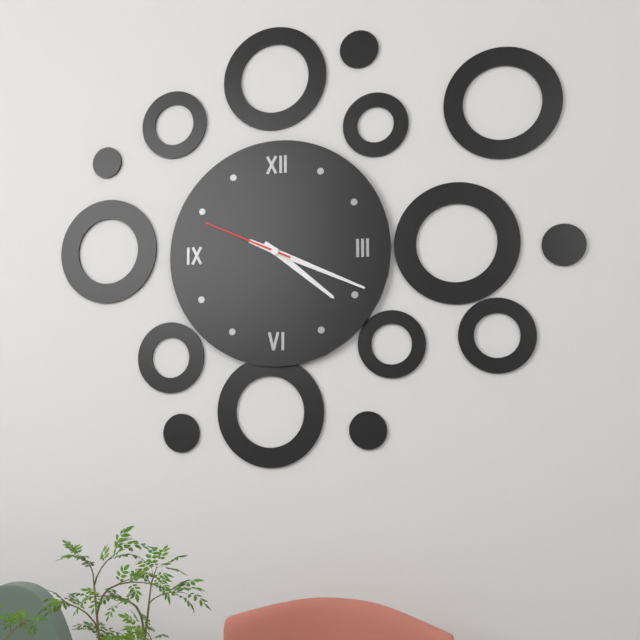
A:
4 h 19 min 49 s
